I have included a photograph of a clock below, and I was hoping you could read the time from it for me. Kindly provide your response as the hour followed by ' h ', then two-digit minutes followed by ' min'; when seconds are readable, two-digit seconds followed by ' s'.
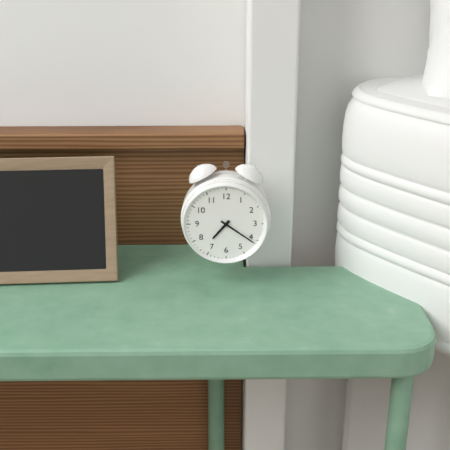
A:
7 h 21 min
